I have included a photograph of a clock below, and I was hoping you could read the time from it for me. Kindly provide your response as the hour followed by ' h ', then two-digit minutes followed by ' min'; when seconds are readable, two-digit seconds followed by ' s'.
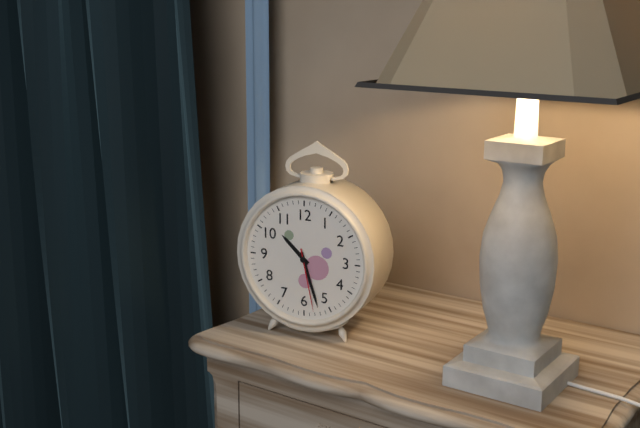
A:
10 h 27 min 28 s
